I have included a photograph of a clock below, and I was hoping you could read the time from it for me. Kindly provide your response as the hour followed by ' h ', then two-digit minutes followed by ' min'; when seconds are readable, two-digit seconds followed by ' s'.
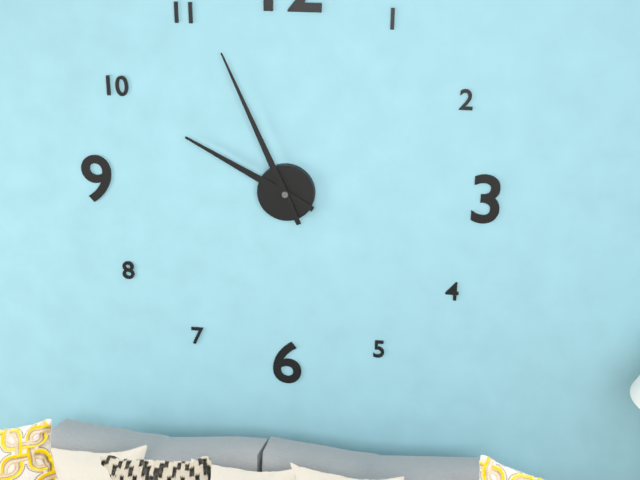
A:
9 h 56 min
